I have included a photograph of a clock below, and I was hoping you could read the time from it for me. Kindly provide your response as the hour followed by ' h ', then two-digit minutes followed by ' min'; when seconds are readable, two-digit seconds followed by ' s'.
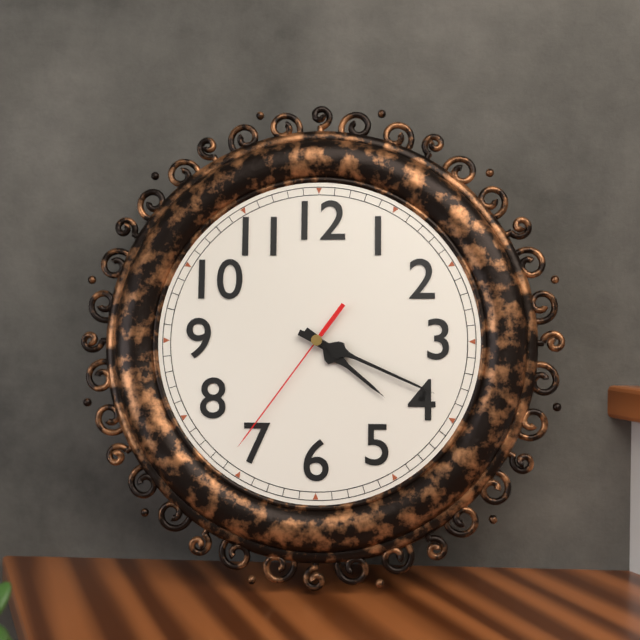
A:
4 h 19 min 36 s
